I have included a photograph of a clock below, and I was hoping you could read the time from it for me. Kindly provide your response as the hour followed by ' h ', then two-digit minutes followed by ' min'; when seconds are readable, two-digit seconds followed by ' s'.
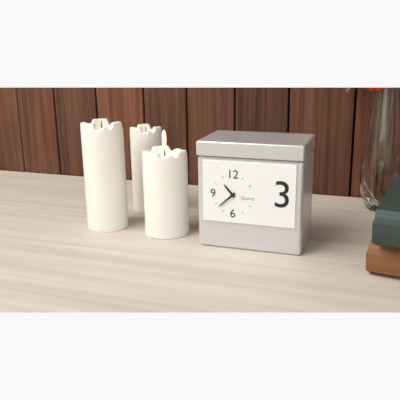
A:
10 h 38 min
